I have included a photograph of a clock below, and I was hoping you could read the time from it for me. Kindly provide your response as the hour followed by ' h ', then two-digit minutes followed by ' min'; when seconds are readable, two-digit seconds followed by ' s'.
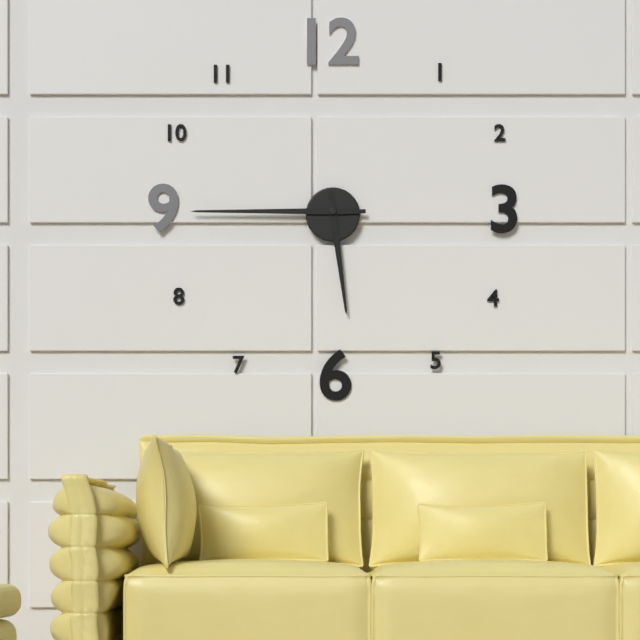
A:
5 h 45 min
